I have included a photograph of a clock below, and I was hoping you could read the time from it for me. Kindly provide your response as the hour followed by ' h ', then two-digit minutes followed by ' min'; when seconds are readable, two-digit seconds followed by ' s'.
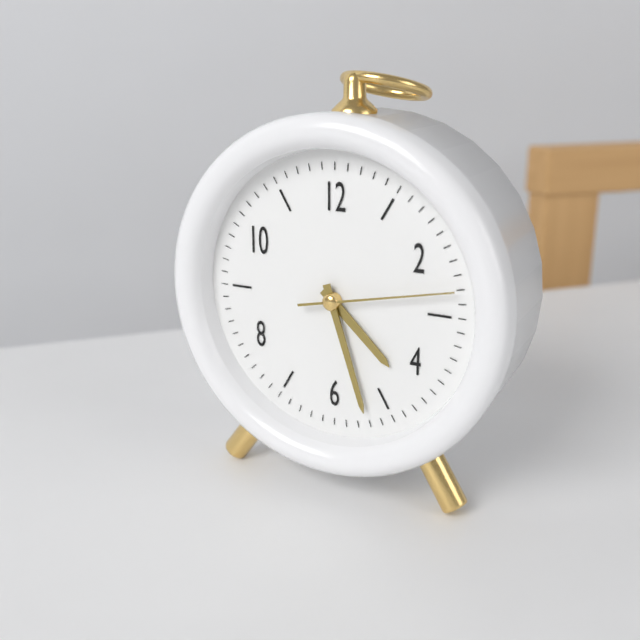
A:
4 h 27 min 13 s
